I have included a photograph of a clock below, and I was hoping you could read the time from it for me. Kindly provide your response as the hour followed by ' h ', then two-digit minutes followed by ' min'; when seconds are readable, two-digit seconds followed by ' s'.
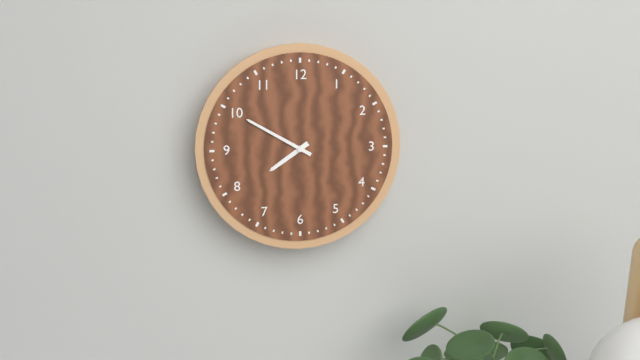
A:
7 h 50 min
